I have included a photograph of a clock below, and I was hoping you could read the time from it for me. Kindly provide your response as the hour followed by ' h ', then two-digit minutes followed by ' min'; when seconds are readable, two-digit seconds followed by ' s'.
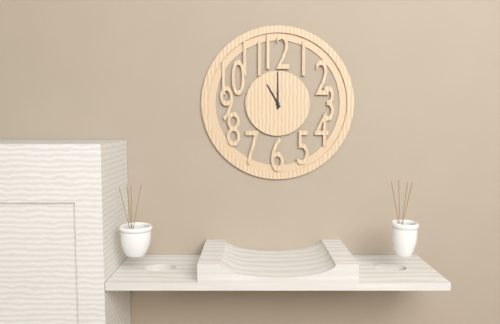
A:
11 h 00 min
